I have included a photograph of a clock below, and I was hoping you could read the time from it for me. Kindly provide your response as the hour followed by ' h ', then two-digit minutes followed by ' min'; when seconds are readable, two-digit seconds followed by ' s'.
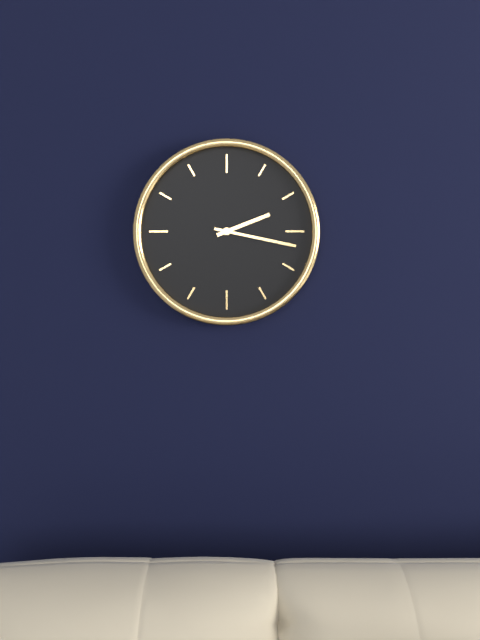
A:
2 h 17 min
